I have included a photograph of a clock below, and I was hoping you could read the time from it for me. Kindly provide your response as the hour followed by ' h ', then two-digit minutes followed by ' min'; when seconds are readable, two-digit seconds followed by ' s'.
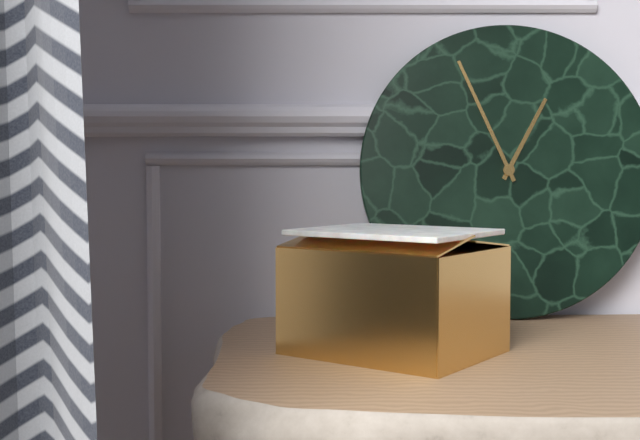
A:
12 h 56 min
